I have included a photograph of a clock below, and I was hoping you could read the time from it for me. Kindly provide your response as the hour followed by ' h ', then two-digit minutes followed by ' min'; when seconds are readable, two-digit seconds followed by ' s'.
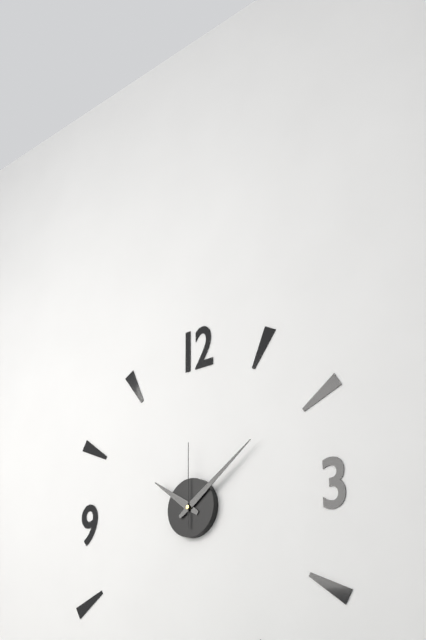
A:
10 h 09 min 00 s
